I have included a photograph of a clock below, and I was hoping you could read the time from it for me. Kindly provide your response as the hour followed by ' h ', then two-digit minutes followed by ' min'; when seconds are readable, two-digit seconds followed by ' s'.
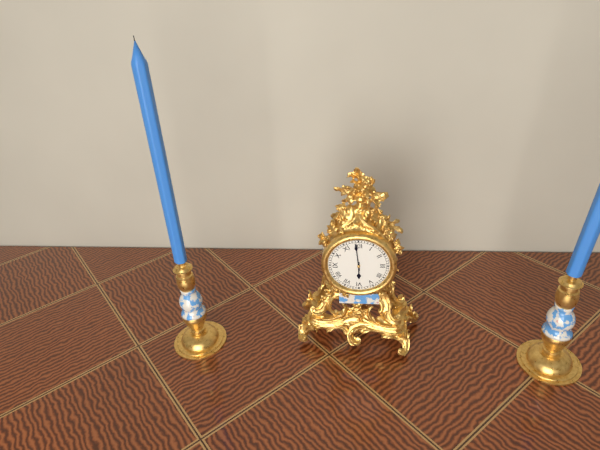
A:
5 h 59 min
